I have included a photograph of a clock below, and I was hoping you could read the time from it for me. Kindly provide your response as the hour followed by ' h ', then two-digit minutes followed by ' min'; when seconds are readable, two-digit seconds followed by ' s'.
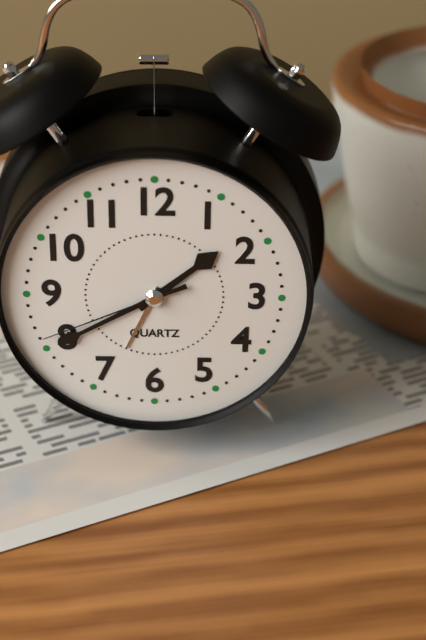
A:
1 h 40 min 41 s
